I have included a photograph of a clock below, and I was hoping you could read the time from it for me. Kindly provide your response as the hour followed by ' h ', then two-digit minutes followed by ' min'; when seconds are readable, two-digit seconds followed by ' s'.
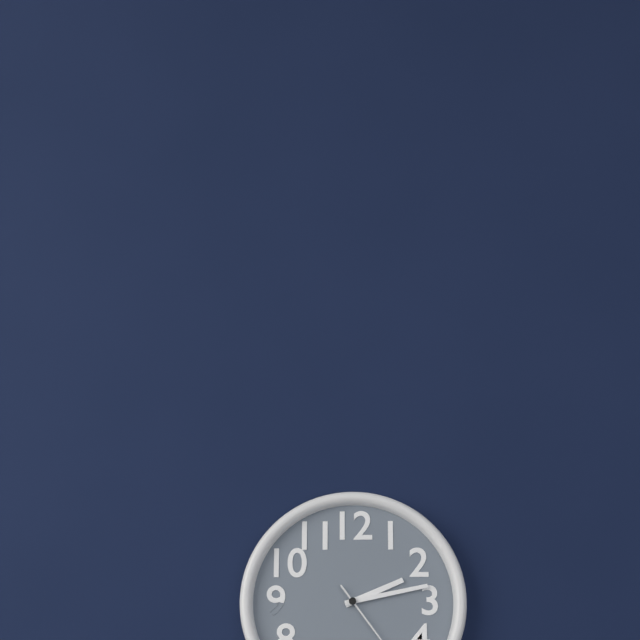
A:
2 h 13 min
